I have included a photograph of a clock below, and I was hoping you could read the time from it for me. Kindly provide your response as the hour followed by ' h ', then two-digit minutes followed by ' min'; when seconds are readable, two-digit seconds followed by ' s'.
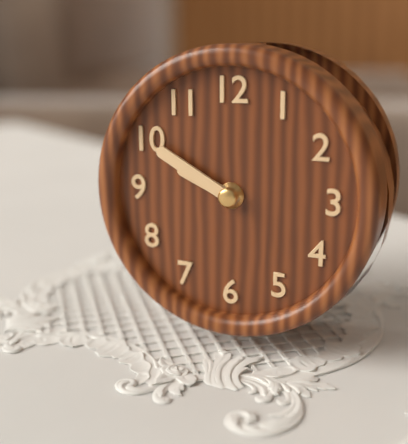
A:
9 h 50 min
